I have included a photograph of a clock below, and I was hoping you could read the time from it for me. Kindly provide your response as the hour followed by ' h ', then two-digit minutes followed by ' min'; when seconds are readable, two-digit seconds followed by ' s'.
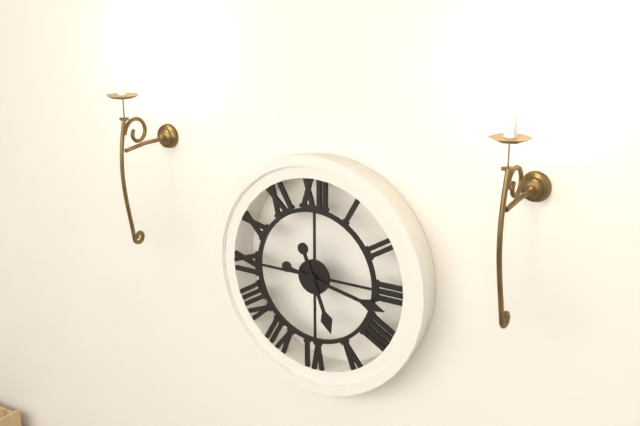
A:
5 h 17 min
